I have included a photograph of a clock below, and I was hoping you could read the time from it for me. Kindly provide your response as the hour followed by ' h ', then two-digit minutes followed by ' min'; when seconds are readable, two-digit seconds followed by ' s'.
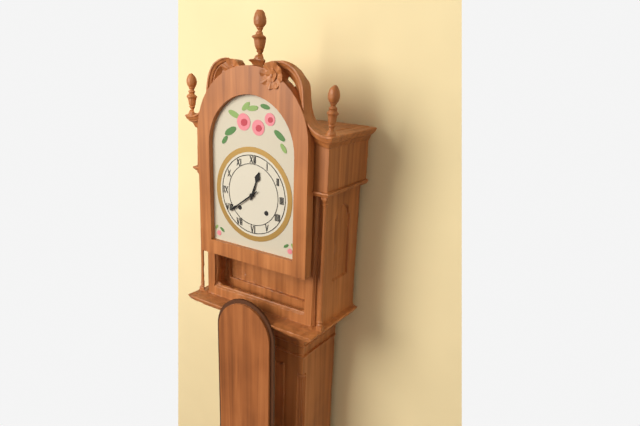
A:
12 h 39 min
